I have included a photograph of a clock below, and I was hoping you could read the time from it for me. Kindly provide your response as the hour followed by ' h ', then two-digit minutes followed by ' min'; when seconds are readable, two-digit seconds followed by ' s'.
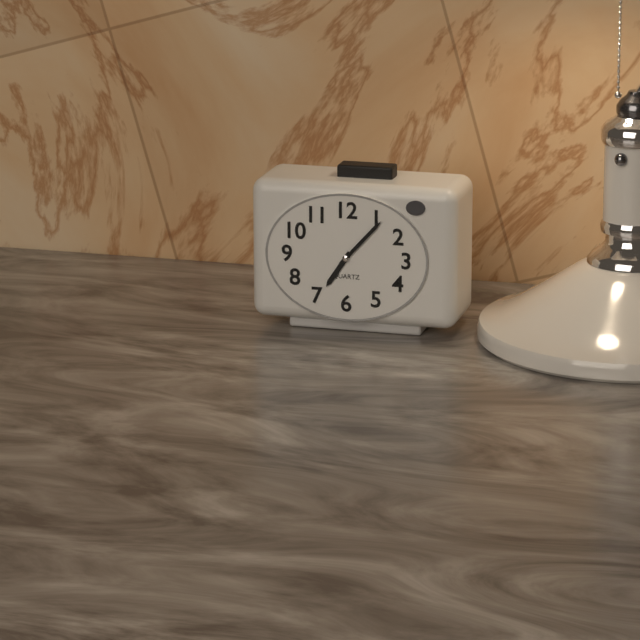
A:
7 h 07 min
